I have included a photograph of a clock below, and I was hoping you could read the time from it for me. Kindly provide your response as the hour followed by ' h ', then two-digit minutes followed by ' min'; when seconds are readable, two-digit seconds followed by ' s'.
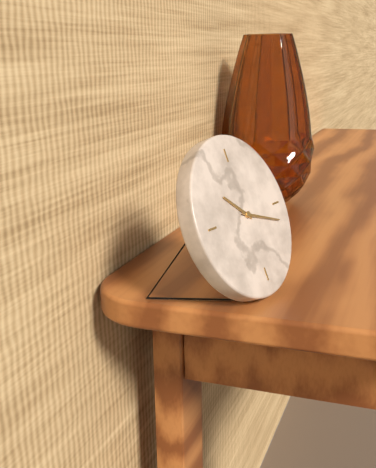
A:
10 h 18 min
